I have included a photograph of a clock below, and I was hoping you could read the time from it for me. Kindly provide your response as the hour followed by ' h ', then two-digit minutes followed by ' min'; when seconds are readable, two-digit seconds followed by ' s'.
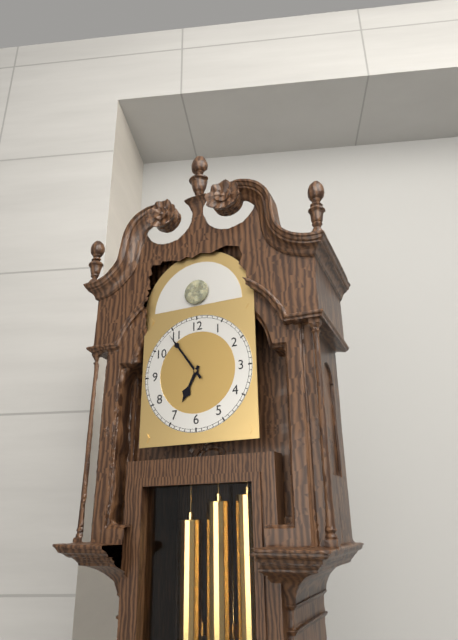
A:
6 h 54 min
